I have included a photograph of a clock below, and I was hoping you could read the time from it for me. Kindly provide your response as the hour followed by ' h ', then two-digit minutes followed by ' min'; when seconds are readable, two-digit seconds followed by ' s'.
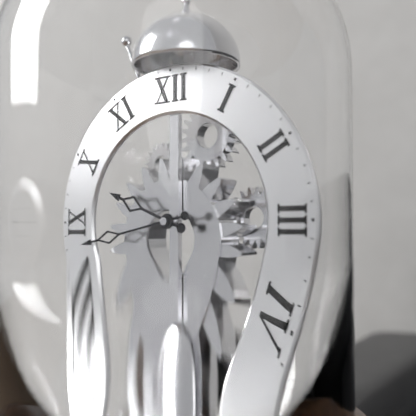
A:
9 h 43 min
